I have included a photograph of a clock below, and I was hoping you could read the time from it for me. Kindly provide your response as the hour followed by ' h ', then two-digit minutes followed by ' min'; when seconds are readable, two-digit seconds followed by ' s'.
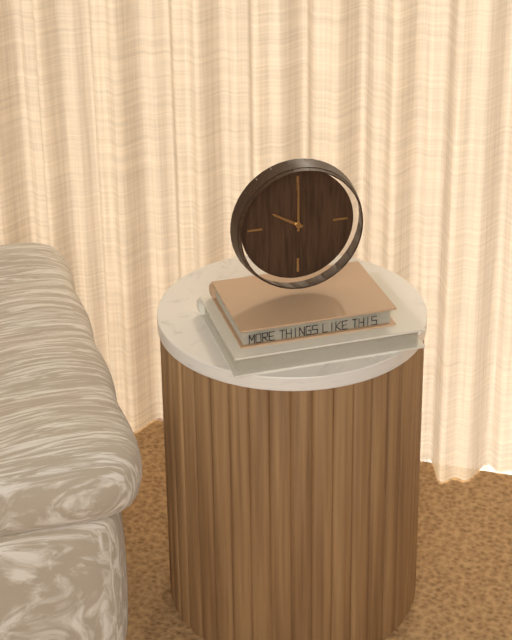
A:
10 h 00 min
